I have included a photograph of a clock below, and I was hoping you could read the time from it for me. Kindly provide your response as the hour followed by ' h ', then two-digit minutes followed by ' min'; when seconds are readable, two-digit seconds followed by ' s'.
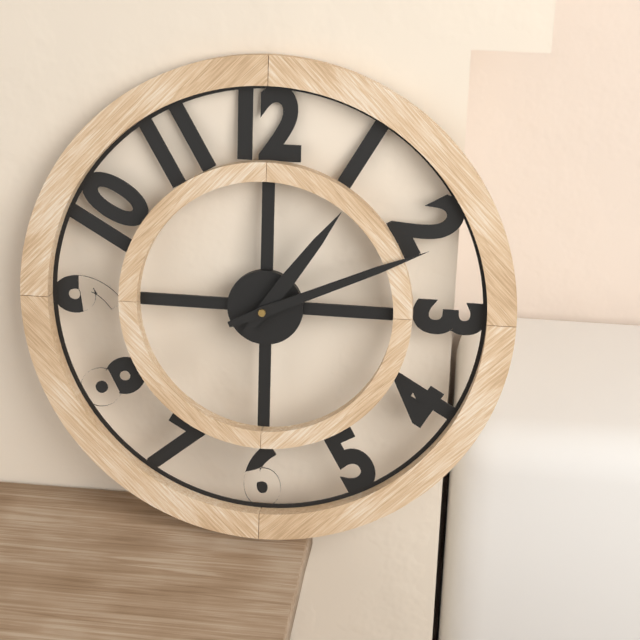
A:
1 h 11 min
